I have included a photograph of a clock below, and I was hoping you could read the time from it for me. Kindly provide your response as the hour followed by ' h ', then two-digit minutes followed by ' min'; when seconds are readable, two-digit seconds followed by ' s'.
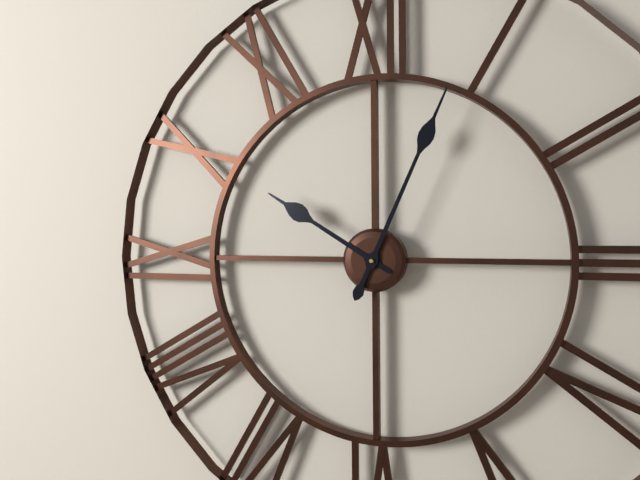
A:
10 h 04 min
